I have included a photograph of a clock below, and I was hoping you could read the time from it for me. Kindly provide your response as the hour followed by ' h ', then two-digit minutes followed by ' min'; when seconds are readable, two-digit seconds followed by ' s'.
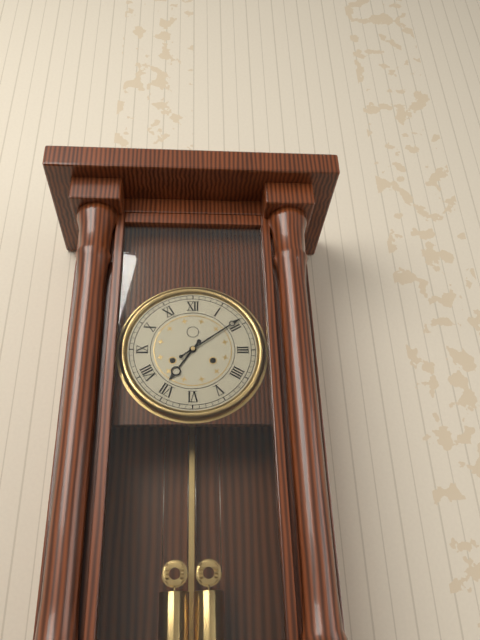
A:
7 h 09 min
